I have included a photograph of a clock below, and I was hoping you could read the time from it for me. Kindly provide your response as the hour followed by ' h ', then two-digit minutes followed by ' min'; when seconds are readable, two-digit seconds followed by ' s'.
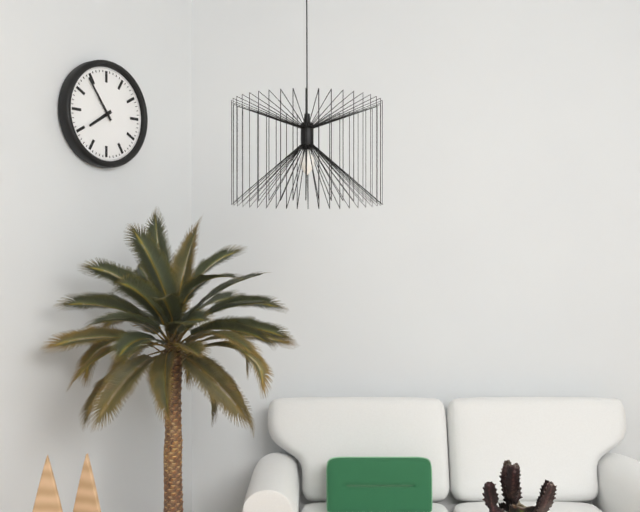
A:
7 h 54 min
